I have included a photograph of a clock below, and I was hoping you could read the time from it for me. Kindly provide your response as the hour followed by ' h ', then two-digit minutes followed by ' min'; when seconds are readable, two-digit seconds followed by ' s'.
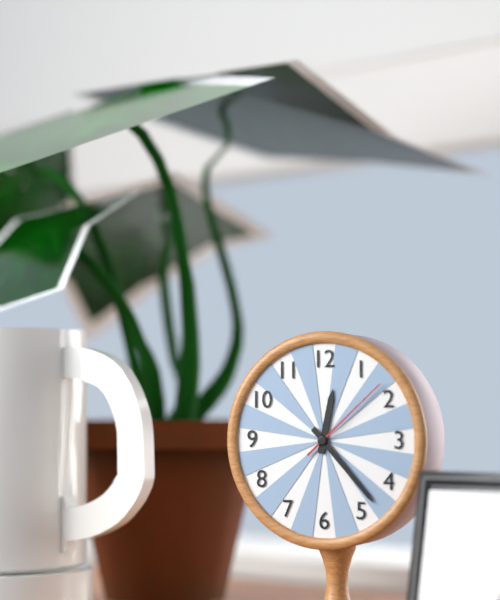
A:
12 h 23 min 08 s
